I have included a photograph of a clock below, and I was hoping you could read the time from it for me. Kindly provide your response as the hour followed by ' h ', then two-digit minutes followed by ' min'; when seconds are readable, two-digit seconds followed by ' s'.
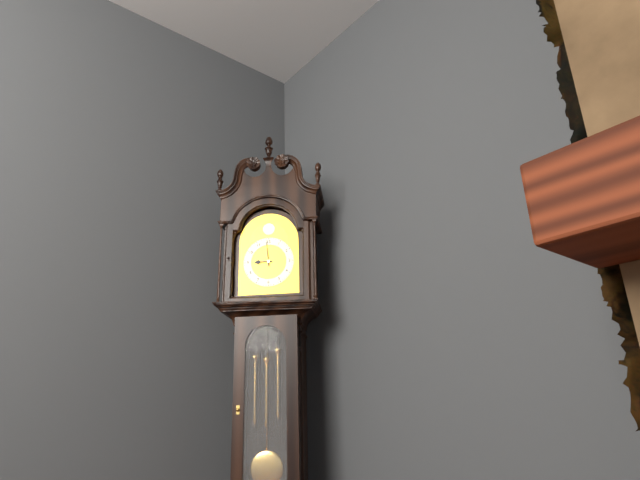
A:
8 h 59 min
